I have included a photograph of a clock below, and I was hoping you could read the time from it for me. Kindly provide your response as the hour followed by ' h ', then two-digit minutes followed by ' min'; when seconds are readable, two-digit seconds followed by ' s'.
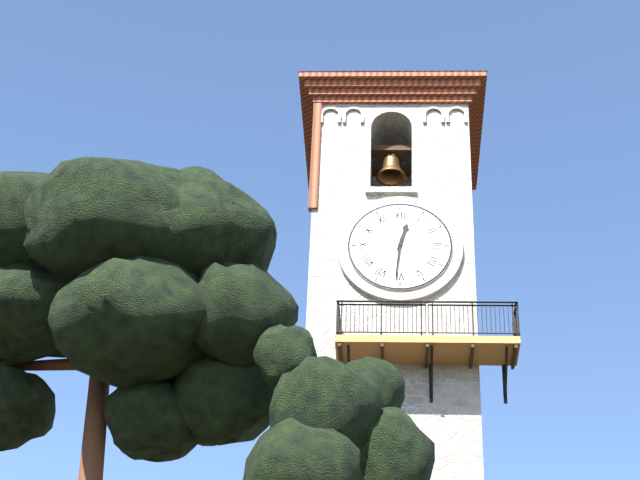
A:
12 h 31 min
